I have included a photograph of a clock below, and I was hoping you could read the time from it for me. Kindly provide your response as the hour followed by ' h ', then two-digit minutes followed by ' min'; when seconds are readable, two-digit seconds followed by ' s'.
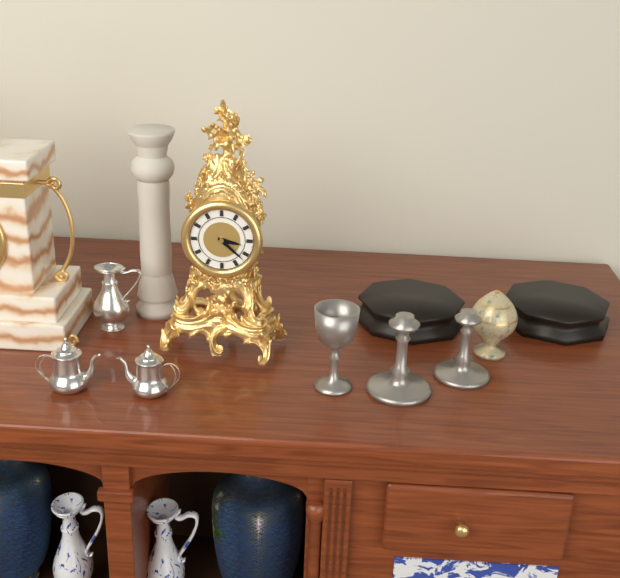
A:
3 h 22 min
